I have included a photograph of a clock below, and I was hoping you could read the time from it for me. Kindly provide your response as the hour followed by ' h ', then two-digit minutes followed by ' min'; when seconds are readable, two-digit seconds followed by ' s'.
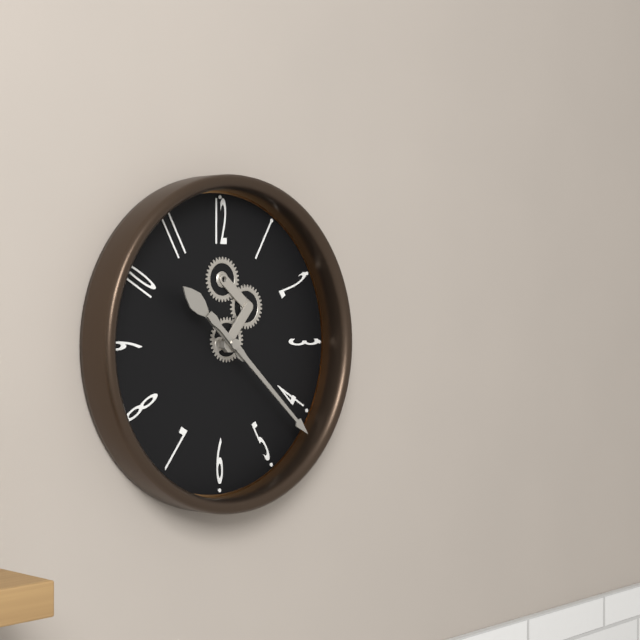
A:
10 h 22 min
